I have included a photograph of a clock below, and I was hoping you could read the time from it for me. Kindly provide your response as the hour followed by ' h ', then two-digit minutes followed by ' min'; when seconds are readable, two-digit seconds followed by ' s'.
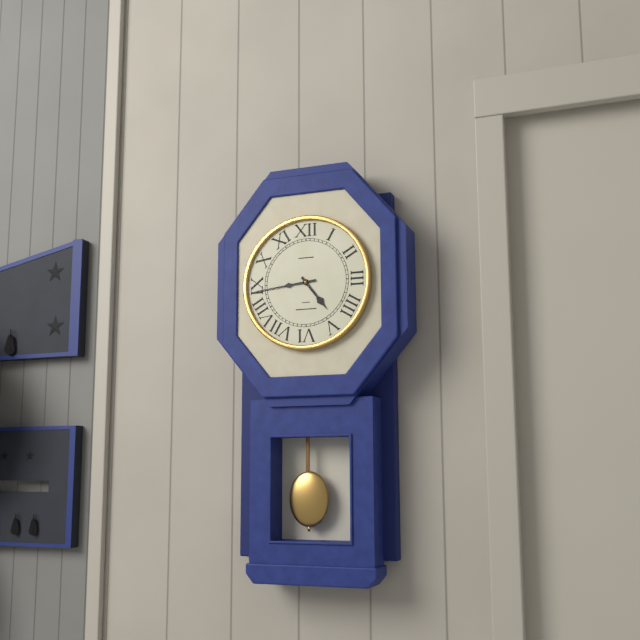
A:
4 h 44 min
